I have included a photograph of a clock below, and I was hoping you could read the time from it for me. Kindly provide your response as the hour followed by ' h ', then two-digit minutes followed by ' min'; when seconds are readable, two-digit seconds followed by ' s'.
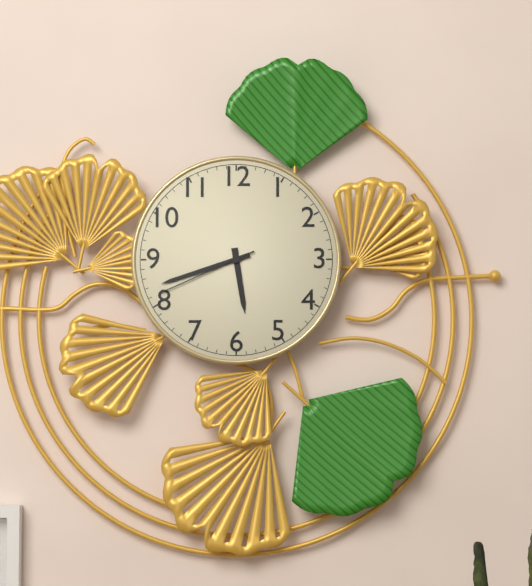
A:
5 h 42 min 41 s
